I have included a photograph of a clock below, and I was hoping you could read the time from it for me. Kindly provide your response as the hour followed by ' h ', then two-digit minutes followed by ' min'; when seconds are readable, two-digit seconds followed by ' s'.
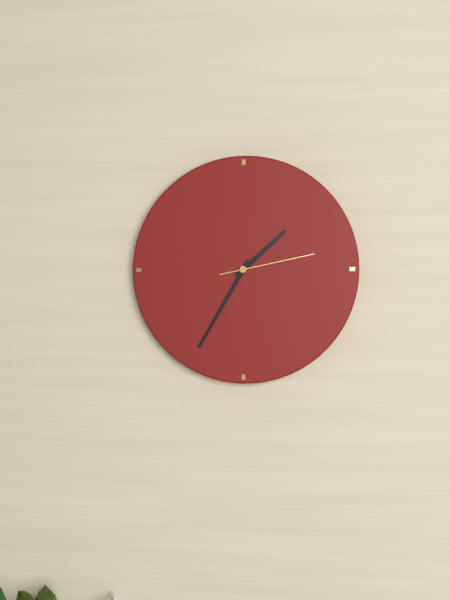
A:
1 h 35 min 13 s
